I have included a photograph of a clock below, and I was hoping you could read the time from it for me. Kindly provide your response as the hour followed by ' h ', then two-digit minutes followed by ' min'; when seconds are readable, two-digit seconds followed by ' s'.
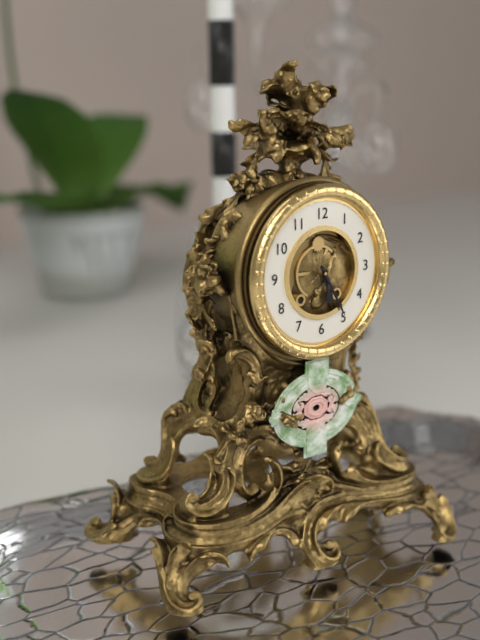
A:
5 h 25 min
